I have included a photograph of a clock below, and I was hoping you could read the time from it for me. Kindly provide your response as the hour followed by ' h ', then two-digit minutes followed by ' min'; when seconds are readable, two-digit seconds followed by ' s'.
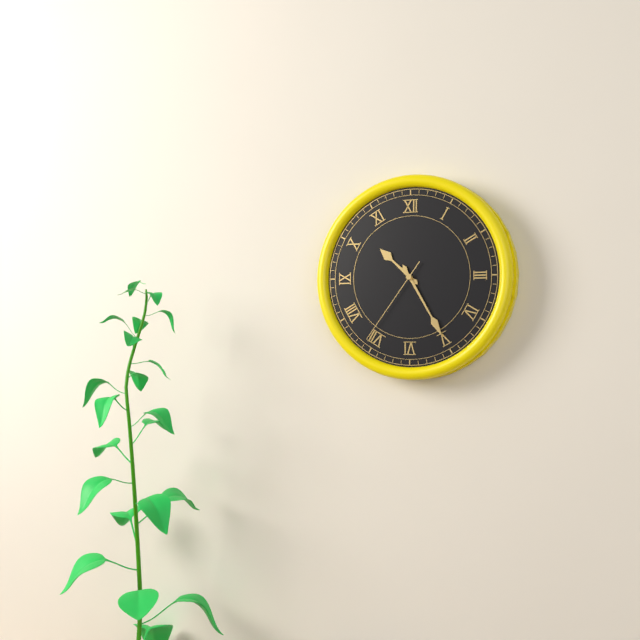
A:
10 h 25 min 36 s
